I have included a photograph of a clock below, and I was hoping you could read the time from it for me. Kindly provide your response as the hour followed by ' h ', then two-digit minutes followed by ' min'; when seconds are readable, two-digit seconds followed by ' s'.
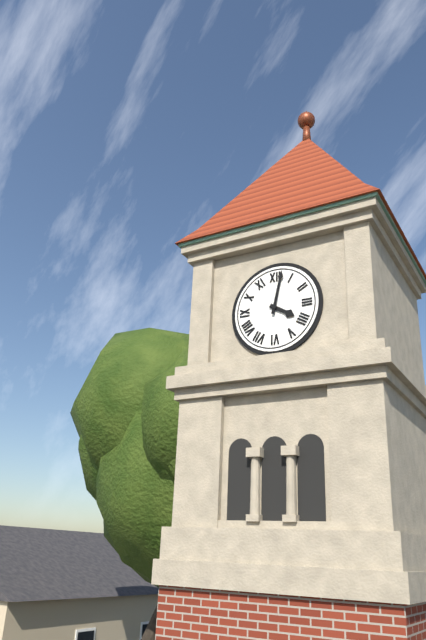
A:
4 h 02 min
